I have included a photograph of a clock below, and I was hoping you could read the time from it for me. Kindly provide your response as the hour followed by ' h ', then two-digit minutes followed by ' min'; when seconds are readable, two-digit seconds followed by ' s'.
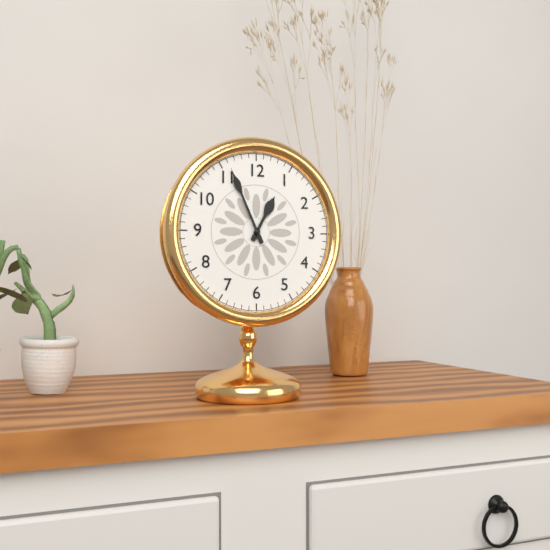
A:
12 h 56 min
